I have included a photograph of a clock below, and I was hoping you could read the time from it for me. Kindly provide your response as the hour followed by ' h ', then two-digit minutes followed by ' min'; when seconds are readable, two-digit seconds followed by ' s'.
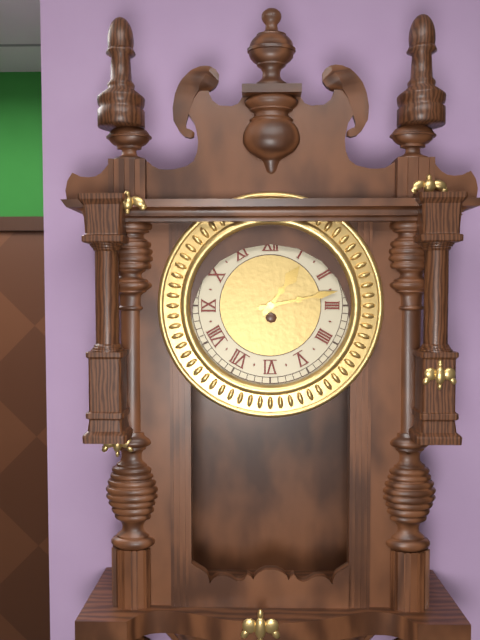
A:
1 h 13 min
